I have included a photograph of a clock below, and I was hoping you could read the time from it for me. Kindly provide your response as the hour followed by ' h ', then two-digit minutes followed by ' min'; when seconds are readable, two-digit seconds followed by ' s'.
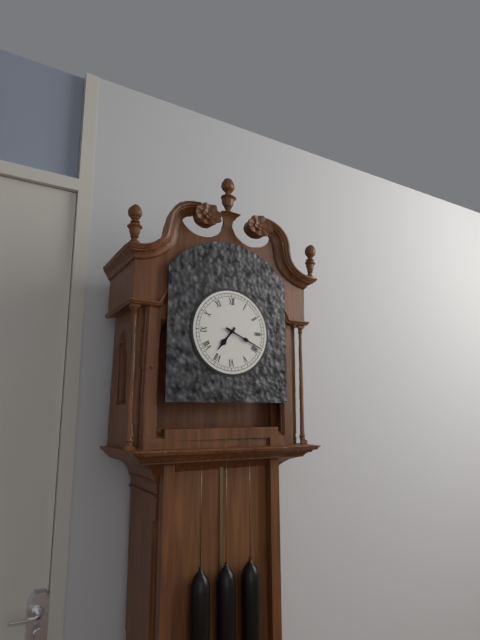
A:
7 h 19 min
